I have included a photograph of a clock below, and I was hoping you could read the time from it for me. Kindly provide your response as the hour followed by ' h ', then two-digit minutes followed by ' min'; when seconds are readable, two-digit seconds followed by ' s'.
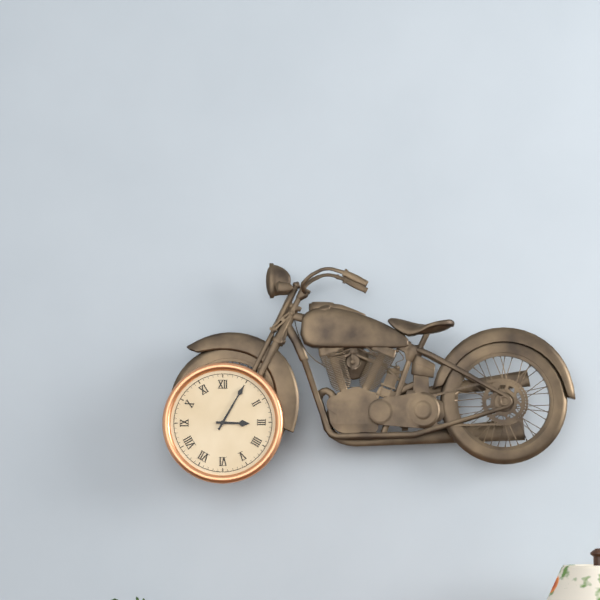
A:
3 h 05 min
